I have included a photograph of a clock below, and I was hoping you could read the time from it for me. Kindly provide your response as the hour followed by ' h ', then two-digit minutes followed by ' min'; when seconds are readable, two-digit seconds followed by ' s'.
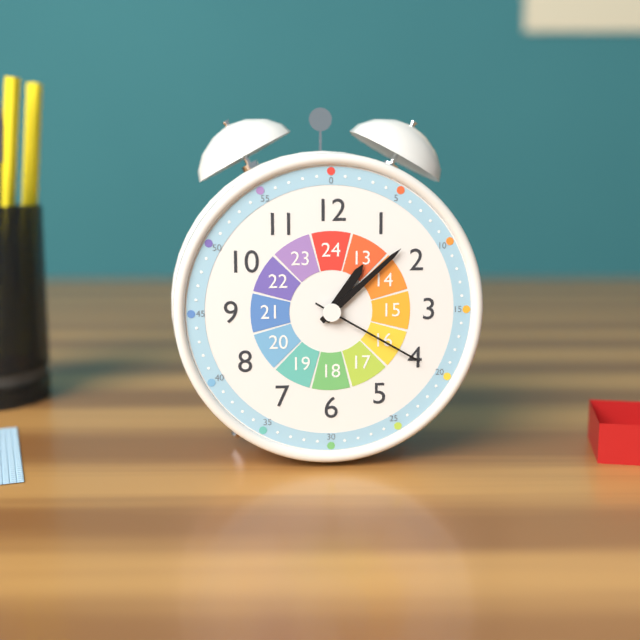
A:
1 h 08 min 20 s
